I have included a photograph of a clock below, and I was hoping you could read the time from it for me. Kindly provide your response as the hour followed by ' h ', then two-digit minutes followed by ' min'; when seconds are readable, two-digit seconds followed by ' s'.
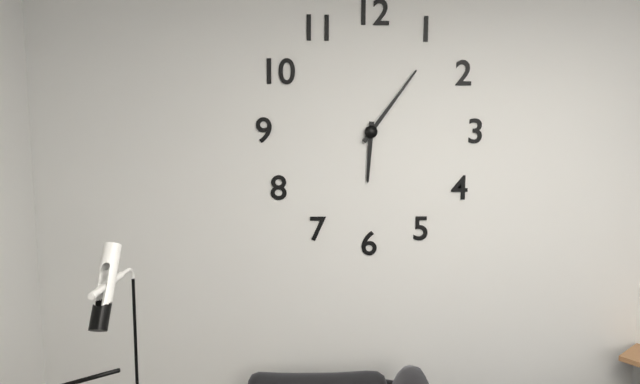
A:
6 h 06 min
